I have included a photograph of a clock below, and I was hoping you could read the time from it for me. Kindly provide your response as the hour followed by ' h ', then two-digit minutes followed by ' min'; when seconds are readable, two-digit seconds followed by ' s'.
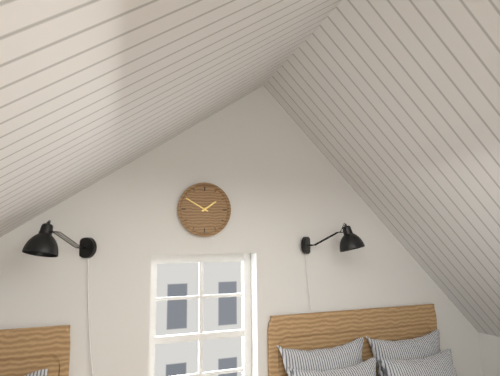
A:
1 h 50 min
